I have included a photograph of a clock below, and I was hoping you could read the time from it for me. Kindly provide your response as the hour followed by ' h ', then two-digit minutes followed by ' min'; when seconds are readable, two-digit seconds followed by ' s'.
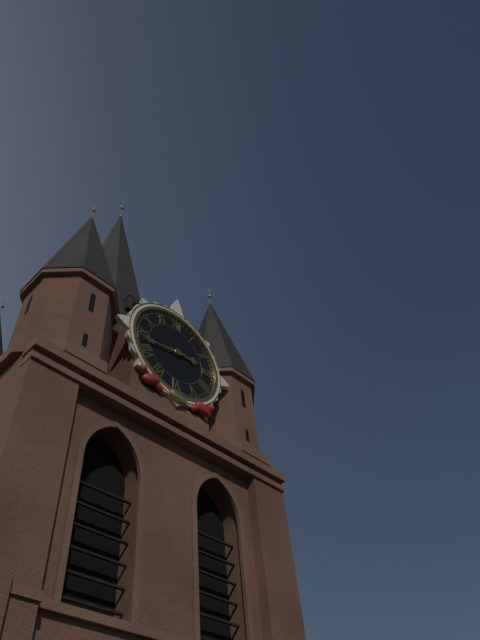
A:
2 h 43 min
